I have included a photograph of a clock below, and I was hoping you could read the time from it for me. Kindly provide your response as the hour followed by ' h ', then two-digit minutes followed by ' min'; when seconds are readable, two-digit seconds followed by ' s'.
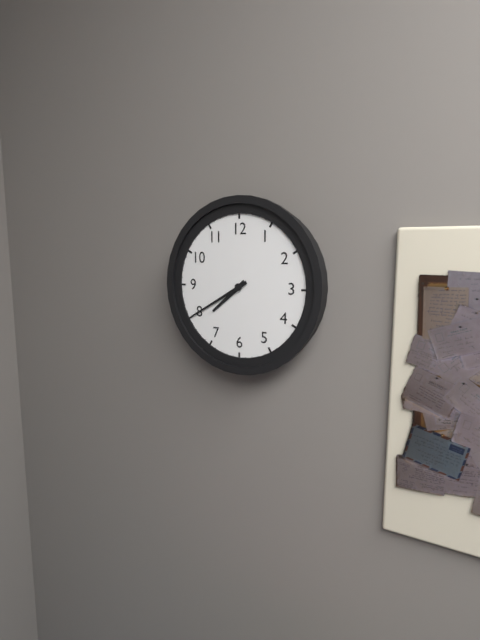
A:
7 h 40 min
